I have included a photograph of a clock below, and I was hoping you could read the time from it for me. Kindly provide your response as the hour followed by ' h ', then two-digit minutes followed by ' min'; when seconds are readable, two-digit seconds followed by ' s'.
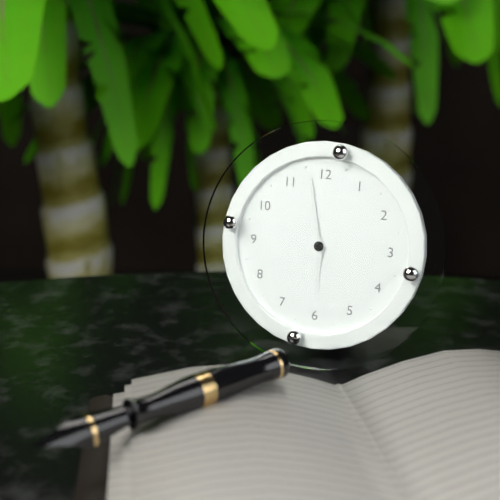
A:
5 h 58 min
